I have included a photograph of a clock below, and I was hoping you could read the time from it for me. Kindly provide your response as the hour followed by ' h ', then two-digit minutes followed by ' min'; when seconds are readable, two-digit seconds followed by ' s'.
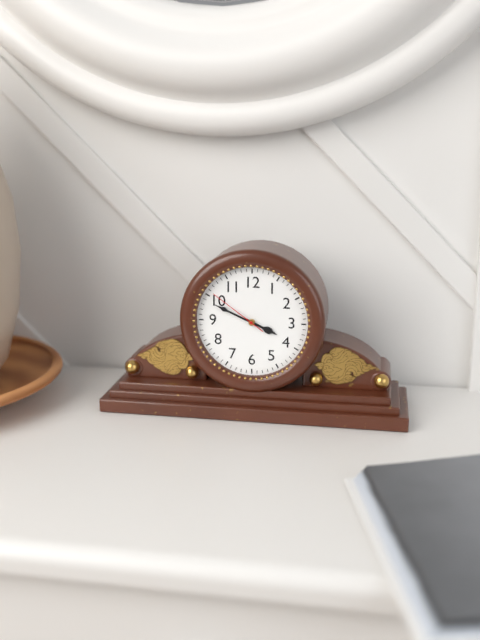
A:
3 h 49 min 51 s
